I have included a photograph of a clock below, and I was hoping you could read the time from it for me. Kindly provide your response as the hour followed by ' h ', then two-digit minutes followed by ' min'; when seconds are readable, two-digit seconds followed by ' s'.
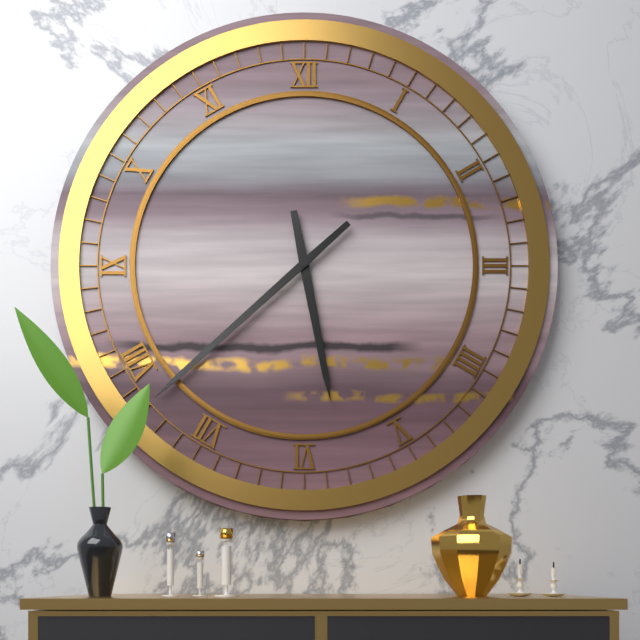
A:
5 h 38 min
